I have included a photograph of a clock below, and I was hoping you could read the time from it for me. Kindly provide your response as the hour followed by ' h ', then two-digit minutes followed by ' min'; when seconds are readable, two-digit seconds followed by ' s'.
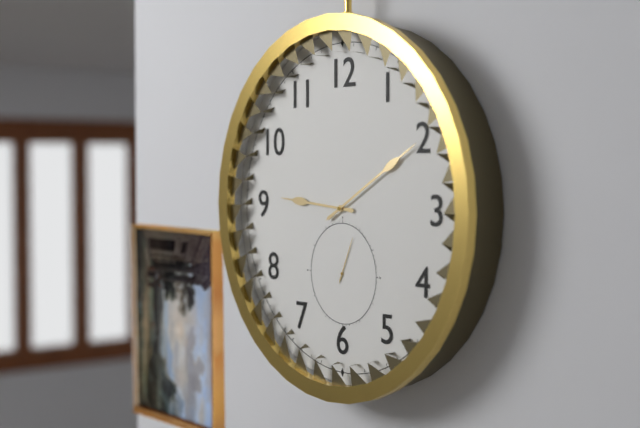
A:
9 h 10 min
